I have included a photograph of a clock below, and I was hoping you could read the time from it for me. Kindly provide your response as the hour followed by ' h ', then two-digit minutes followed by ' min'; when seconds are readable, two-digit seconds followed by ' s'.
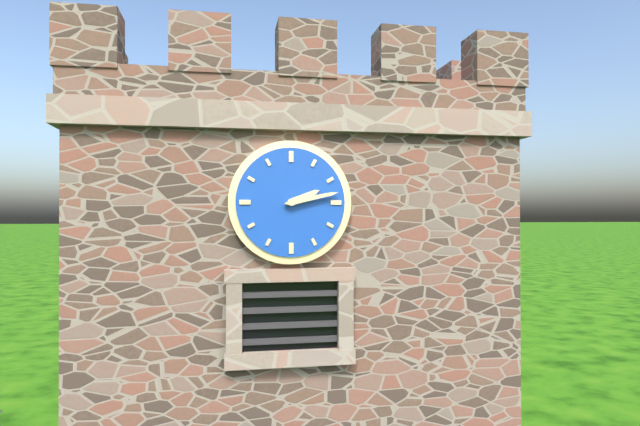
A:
2 h 13 min
